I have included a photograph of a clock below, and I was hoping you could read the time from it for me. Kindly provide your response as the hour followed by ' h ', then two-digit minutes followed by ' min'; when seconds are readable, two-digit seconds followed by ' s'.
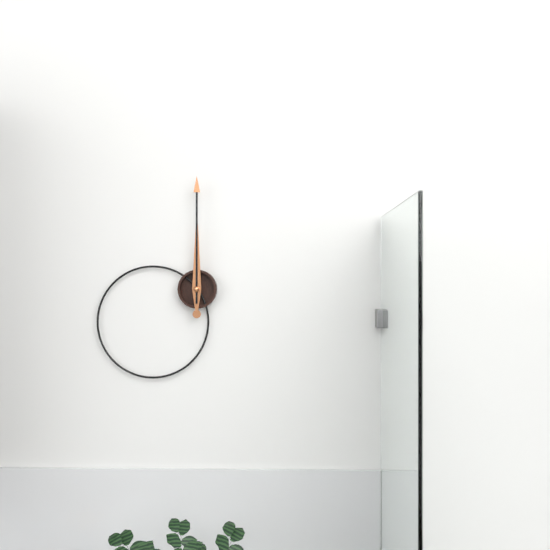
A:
12 h 00 min
